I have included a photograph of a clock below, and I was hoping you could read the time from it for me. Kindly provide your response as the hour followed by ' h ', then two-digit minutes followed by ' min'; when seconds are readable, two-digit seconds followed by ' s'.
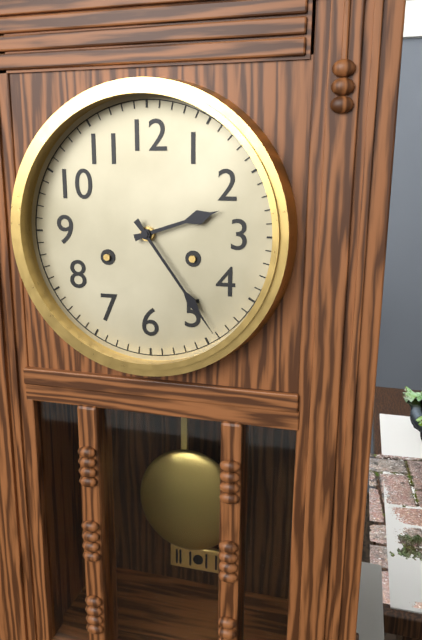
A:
2 h 24 min
